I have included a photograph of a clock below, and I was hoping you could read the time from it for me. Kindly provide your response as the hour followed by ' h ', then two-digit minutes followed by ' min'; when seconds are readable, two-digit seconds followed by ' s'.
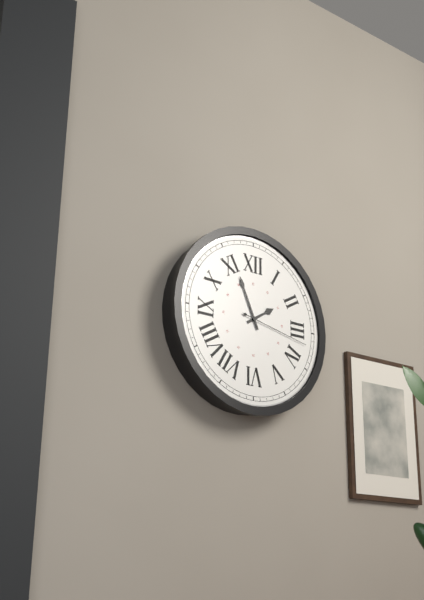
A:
1 h 56 min 17 s
